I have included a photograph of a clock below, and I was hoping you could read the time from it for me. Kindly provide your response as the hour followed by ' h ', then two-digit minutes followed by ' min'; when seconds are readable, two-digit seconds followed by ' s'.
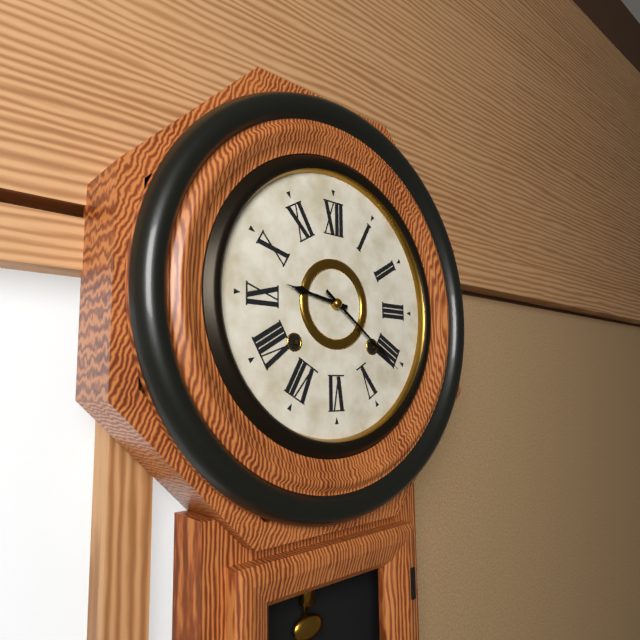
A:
9 h 21 min
